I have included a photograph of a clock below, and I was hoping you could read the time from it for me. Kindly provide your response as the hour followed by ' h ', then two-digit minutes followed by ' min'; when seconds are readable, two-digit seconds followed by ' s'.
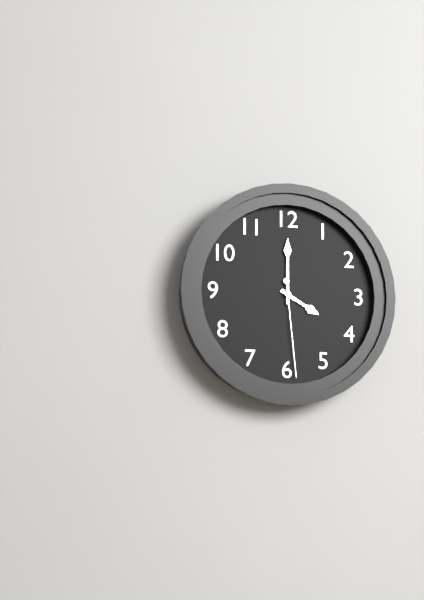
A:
4 h 00 min 29 s
